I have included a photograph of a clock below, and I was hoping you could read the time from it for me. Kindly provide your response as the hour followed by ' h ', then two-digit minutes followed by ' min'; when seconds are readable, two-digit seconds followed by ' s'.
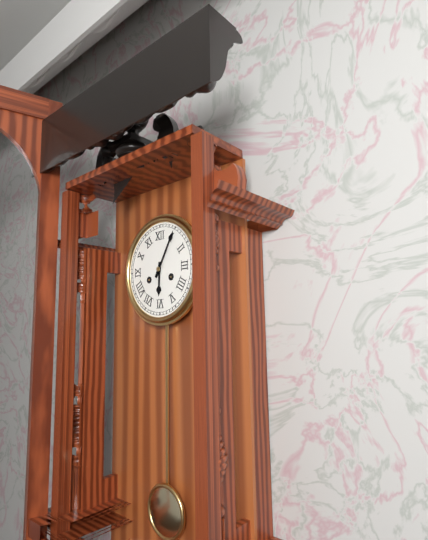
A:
6 h 05 min
